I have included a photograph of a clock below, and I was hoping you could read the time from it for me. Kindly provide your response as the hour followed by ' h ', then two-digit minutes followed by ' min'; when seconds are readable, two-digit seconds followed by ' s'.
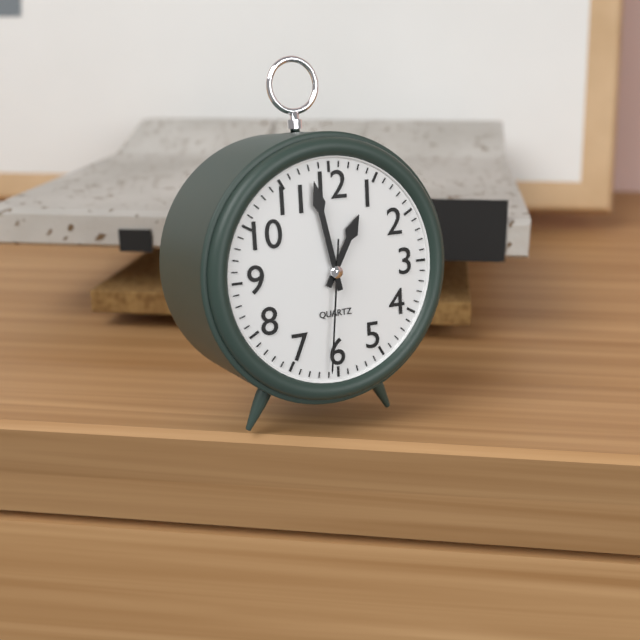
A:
12 h 58 min 31 s
